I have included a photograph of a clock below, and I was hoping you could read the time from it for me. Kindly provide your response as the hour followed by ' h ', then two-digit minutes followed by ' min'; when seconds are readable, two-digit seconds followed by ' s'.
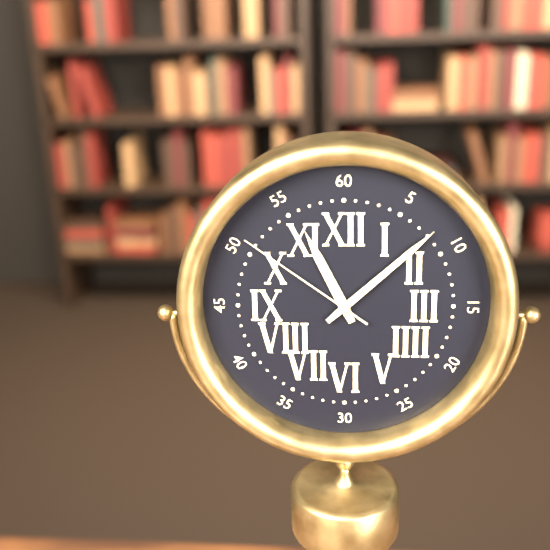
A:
11 h 08 min 51 s
